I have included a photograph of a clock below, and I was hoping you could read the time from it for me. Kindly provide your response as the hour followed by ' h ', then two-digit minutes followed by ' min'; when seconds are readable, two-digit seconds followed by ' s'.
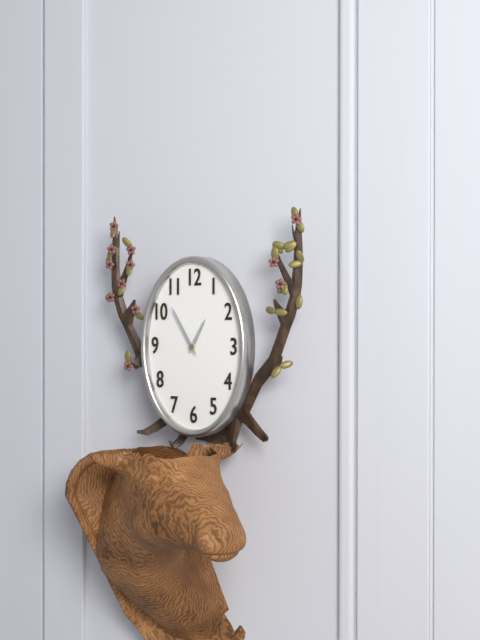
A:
12 h 55 min
